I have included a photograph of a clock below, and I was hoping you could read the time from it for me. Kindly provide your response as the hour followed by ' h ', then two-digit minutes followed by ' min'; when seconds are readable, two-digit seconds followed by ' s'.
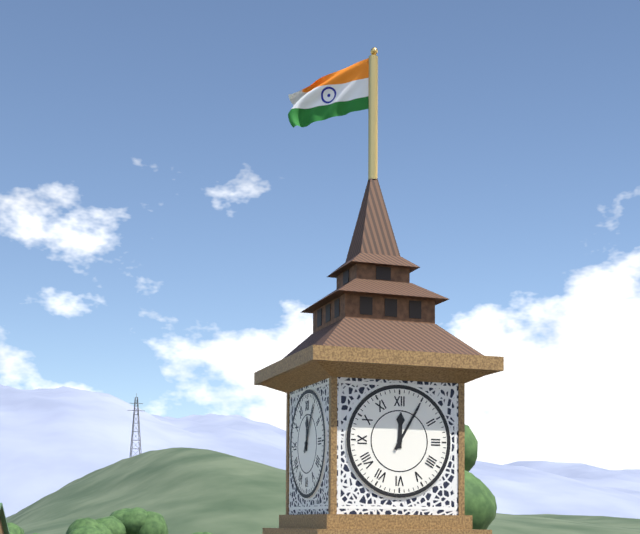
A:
12 h 05 min
